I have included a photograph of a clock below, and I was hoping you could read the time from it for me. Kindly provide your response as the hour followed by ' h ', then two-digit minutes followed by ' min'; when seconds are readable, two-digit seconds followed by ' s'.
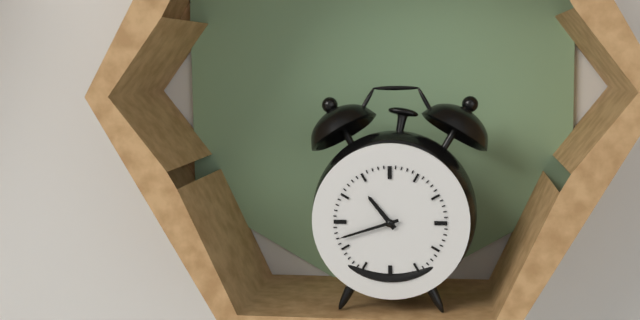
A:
10 h 42 min
